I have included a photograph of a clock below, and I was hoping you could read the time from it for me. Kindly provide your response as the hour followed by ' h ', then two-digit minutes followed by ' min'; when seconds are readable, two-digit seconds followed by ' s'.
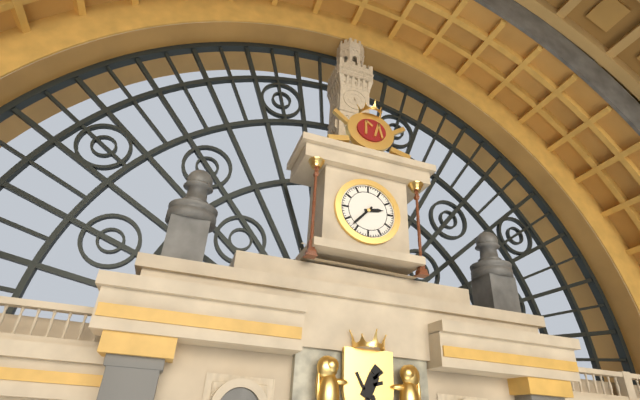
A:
2 h 37 min
